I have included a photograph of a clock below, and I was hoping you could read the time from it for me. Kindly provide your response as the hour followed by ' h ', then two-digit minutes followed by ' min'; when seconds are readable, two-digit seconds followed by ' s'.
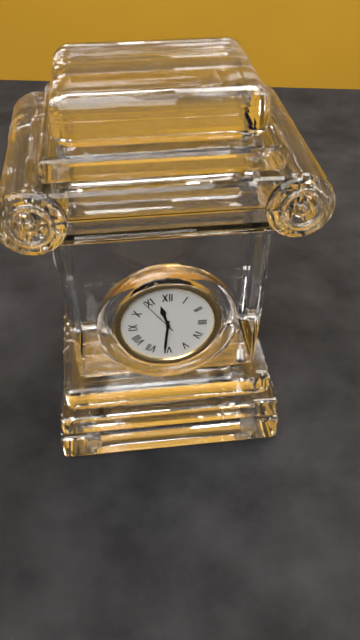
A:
11 h 31 min
